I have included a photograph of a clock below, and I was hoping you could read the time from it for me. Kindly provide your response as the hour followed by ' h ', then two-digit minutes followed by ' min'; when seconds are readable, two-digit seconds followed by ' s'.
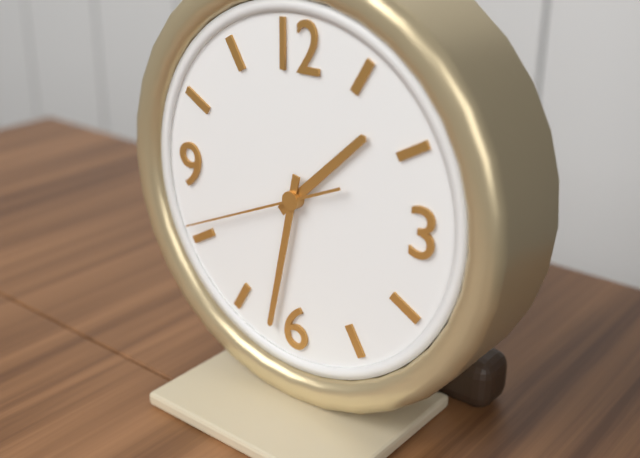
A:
1 h 32 min 41 s
